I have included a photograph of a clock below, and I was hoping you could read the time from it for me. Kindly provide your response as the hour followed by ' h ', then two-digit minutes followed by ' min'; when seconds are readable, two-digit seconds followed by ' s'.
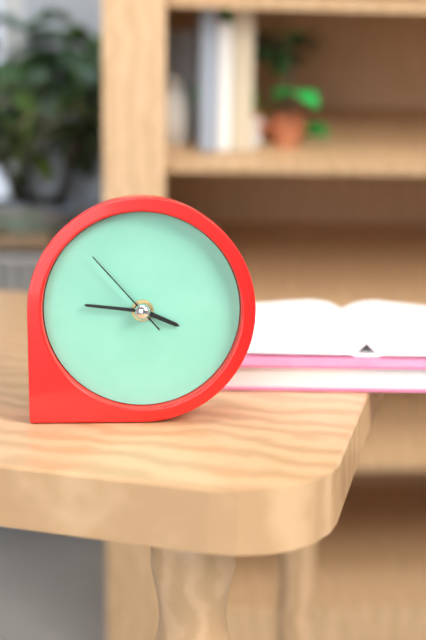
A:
3 h 46 min 53 s
